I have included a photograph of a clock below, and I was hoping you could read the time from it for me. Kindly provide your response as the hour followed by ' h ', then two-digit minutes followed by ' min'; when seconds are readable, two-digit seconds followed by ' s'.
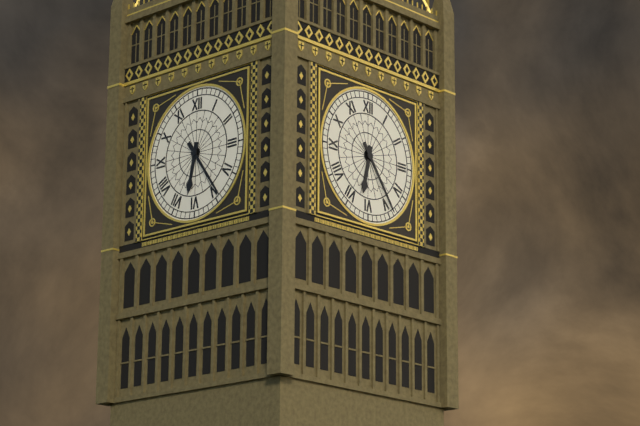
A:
6 h 24 min
